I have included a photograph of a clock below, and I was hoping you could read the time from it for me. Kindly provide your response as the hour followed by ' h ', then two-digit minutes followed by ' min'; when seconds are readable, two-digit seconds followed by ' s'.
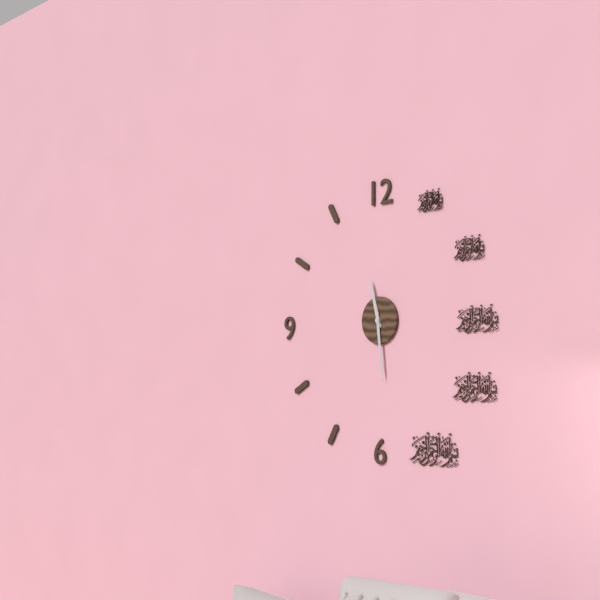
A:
11 h 29 min
